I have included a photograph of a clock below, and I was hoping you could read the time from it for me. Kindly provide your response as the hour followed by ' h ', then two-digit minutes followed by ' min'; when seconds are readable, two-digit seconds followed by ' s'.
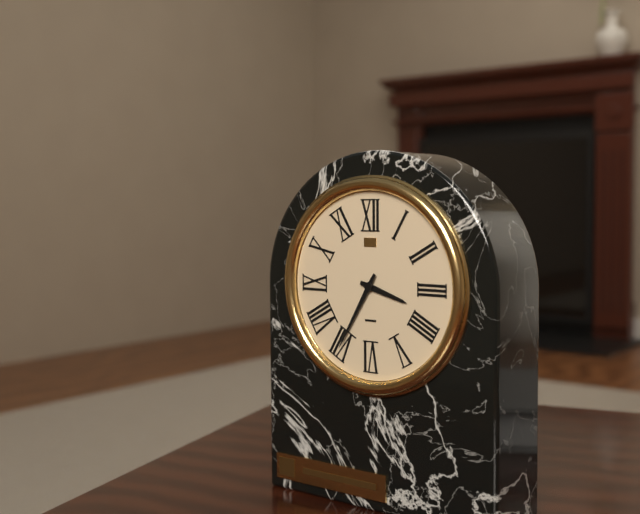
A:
3 h 35 min
